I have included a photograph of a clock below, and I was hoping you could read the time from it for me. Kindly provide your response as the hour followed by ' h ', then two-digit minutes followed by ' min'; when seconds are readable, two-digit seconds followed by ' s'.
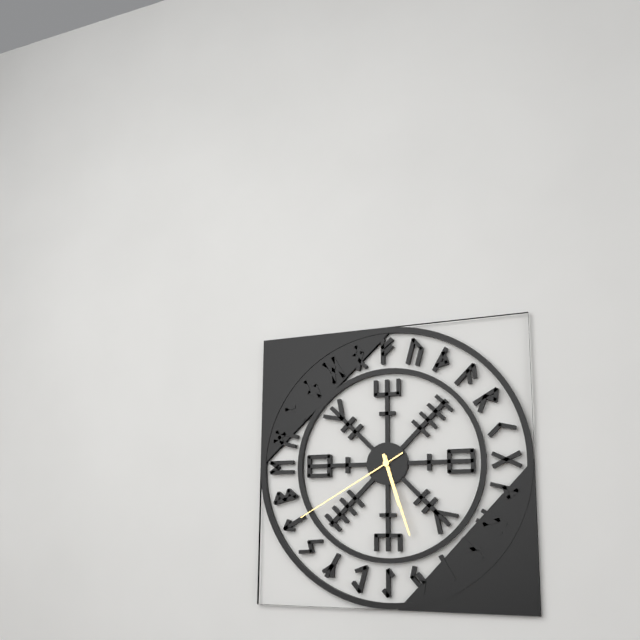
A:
5 h 27 min 40 s
